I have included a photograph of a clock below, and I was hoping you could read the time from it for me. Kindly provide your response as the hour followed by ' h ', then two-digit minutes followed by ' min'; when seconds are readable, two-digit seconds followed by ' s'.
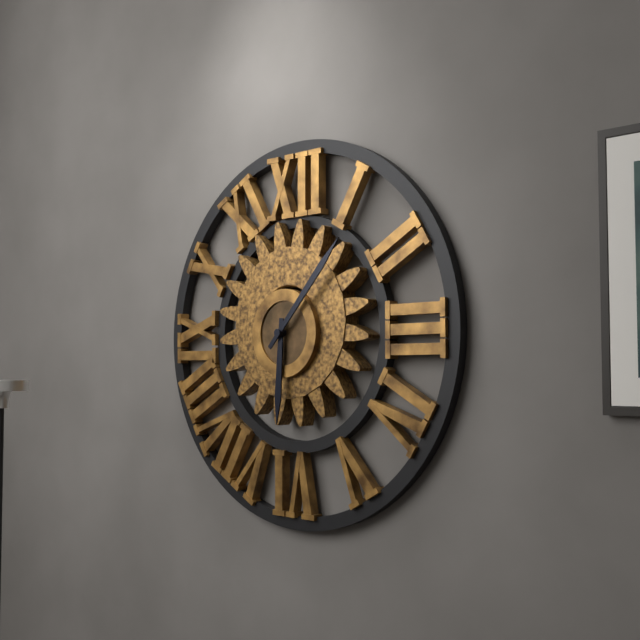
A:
6 h 07 min
